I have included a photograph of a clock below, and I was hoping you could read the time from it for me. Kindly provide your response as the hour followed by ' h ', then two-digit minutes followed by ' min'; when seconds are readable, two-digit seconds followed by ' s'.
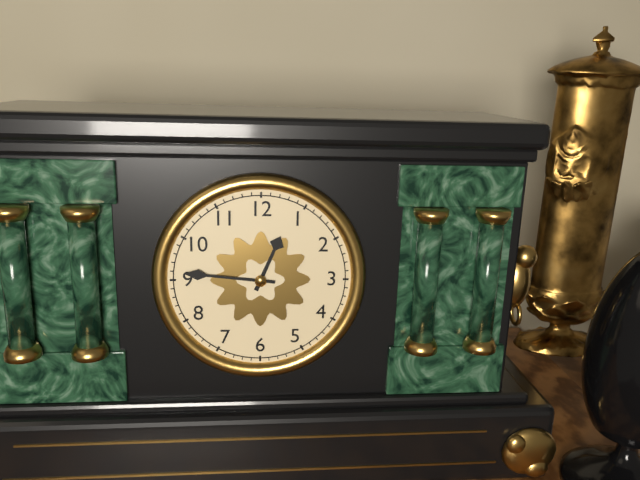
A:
12 h 46 min
